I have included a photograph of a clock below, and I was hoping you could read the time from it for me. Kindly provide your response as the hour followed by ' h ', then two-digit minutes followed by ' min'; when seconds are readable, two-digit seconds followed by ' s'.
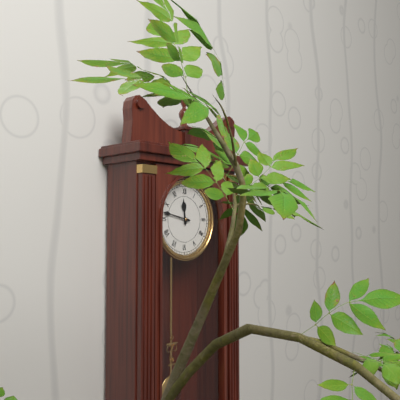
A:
11 h 47 min
